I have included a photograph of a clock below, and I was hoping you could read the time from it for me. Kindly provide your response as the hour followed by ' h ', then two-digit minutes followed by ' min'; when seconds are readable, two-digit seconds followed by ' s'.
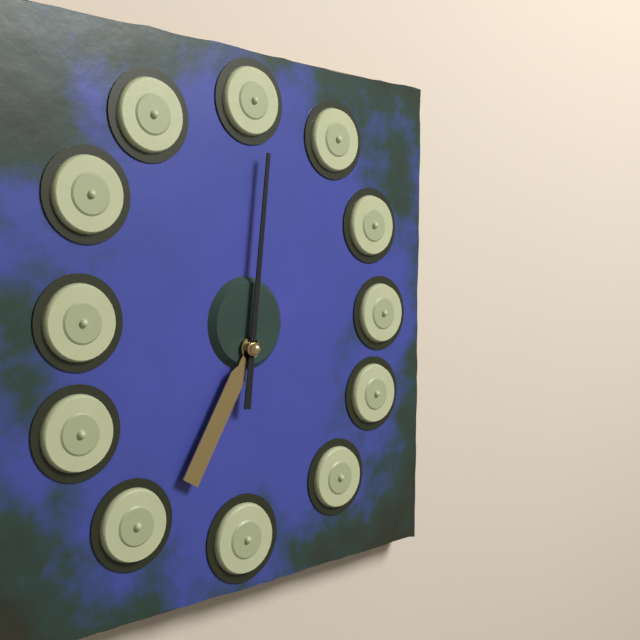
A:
7 h 01 min
